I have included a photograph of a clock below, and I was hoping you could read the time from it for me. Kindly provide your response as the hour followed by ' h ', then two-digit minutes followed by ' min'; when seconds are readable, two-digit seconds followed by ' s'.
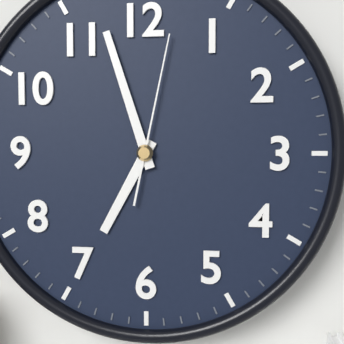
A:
6 h 57 min 02 s
